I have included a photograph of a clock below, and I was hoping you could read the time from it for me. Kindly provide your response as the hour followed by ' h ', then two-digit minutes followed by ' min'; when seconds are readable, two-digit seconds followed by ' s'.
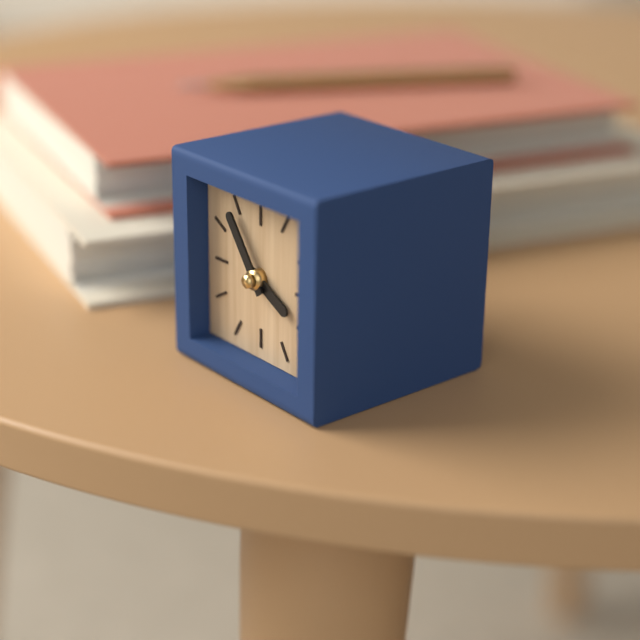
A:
3 h 54 min
